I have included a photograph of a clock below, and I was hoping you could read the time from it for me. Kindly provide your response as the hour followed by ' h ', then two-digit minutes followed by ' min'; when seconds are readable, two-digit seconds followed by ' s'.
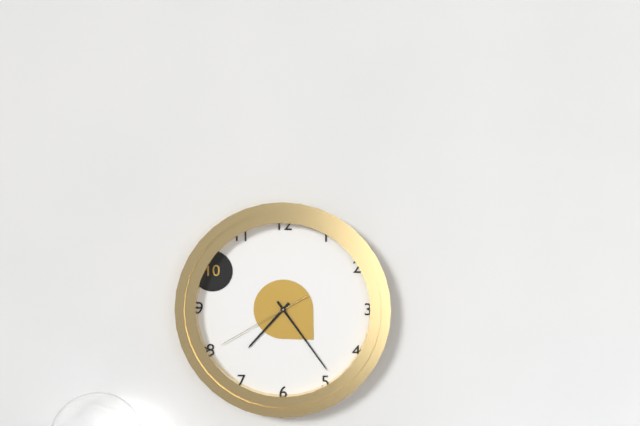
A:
7 h 24 min 40 s
